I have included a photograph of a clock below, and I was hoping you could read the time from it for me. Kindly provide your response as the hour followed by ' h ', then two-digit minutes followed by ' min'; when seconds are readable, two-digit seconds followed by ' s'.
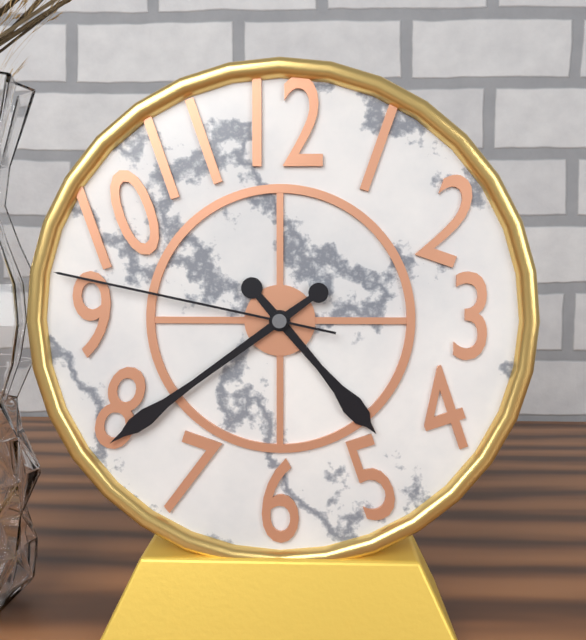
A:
4 h 39 min 47 s
